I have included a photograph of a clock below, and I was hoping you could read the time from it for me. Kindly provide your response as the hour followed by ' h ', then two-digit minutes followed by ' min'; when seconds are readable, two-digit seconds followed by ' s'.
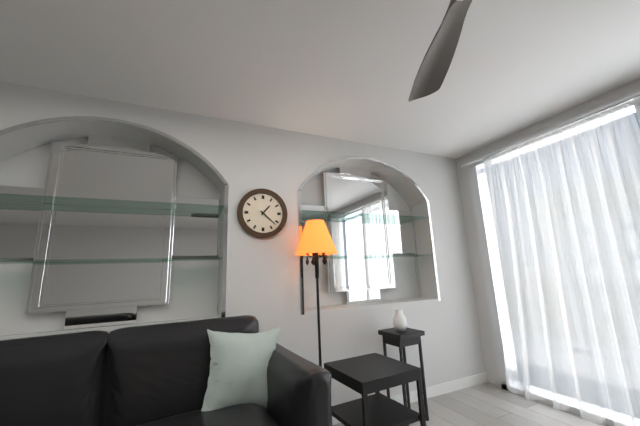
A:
1 h 22 min
